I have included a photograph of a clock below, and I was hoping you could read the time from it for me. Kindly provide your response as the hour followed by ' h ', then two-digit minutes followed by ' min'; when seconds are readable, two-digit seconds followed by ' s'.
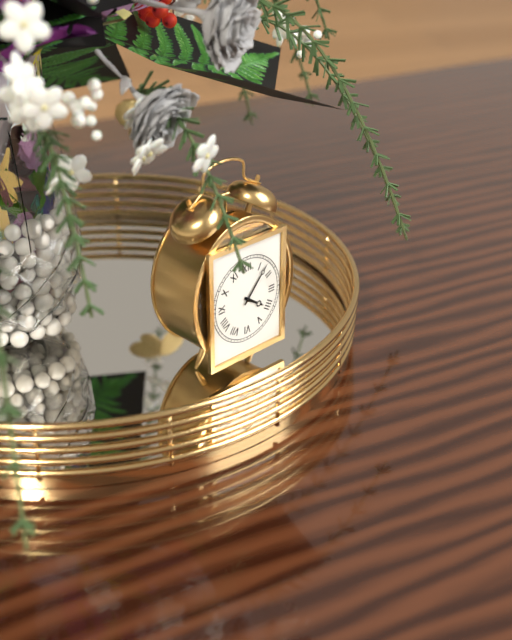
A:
4 h 07 min
